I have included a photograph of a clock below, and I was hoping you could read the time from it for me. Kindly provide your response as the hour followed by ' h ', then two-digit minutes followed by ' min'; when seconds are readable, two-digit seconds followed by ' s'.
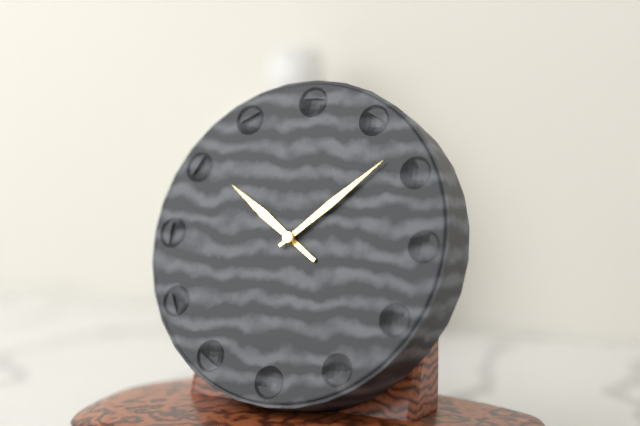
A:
10 h 08 min
